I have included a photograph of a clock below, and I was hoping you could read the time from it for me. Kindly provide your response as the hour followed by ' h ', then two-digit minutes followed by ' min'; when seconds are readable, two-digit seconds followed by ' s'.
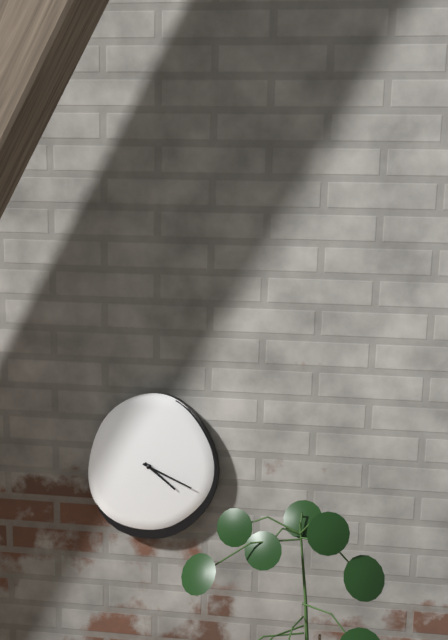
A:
4 h 19 min
